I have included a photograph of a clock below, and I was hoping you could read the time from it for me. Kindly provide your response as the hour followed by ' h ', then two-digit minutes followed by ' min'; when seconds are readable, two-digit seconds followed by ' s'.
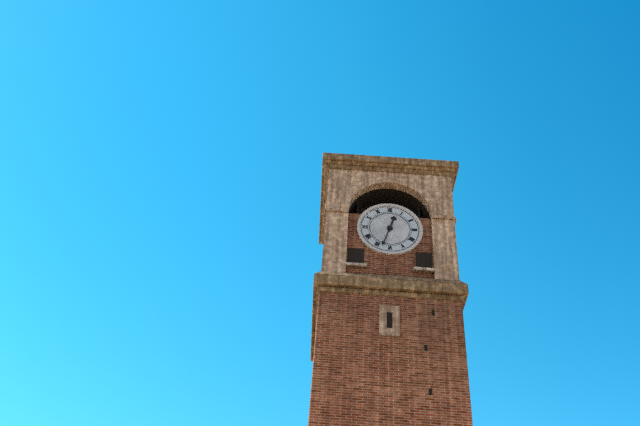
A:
12 h 33 min
